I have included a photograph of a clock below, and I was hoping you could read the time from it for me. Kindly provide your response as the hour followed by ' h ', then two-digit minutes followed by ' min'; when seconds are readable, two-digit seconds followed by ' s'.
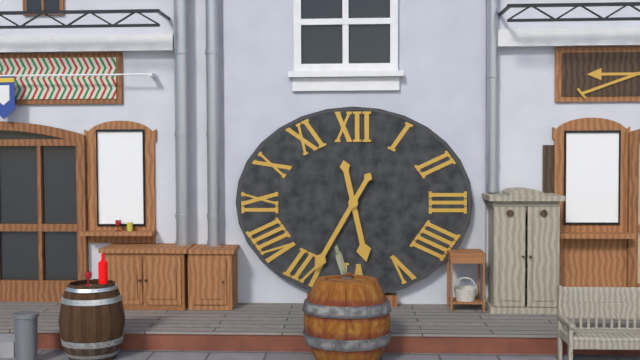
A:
5 h 35 min
